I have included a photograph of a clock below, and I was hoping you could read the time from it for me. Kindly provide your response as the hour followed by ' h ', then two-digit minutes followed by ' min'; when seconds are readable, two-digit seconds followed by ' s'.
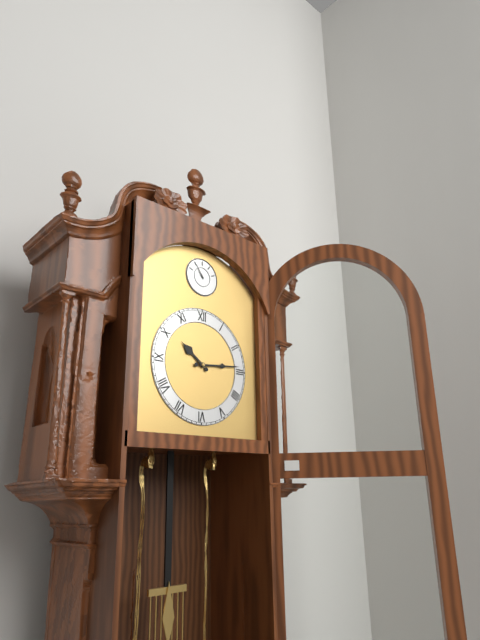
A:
10 h 14 min
